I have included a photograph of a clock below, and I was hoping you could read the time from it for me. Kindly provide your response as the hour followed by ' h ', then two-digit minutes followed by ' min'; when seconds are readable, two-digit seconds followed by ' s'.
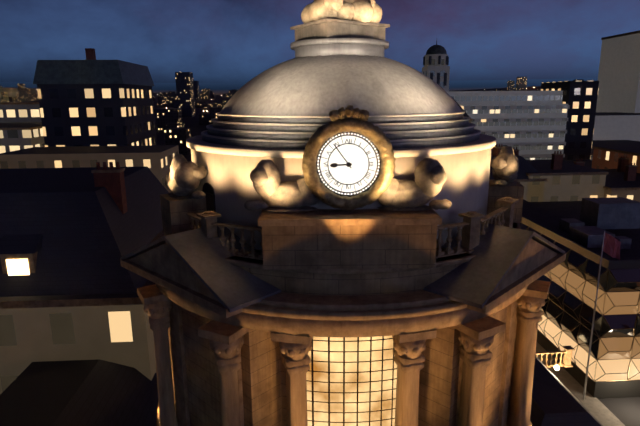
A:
8 h 54 min
